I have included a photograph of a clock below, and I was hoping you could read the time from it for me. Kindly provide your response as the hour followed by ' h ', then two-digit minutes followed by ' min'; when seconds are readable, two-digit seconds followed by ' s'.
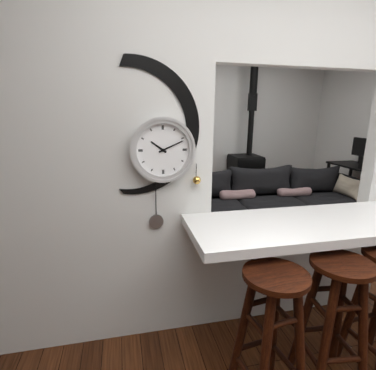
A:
10 h 11 min
